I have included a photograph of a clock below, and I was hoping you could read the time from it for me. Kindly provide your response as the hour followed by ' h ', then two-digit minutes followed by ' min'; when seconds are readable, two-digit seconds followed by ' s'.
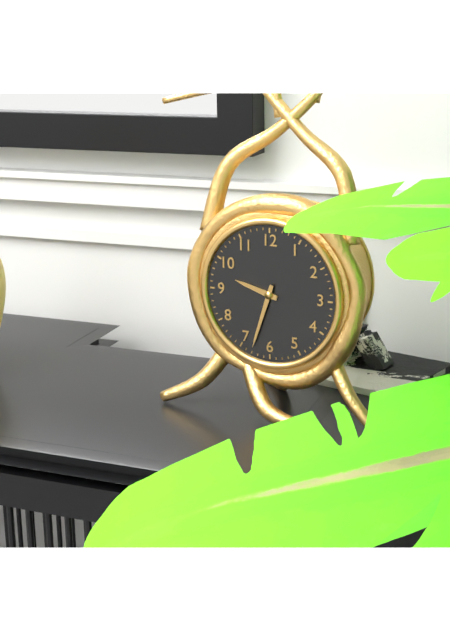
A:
9 h 33 min
